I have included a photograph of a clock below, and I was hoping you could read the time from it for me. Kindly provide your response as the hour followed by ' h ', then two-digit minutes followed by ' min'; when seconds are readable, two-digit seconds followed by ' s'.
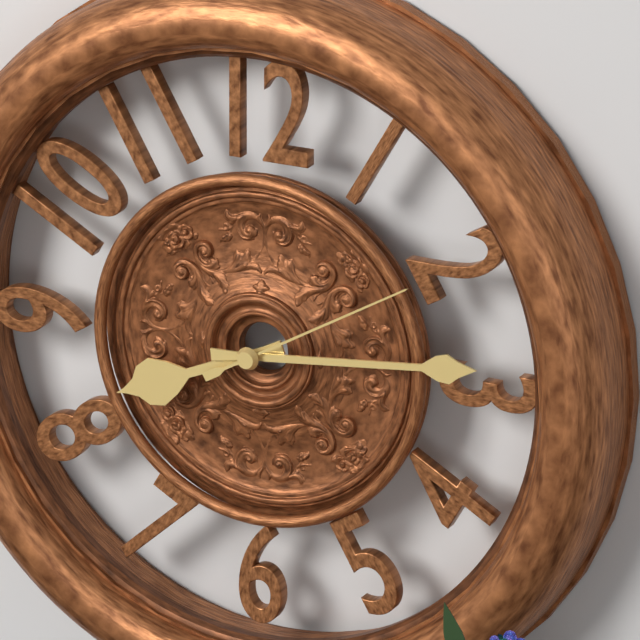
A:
8 h 14 min 10 s
